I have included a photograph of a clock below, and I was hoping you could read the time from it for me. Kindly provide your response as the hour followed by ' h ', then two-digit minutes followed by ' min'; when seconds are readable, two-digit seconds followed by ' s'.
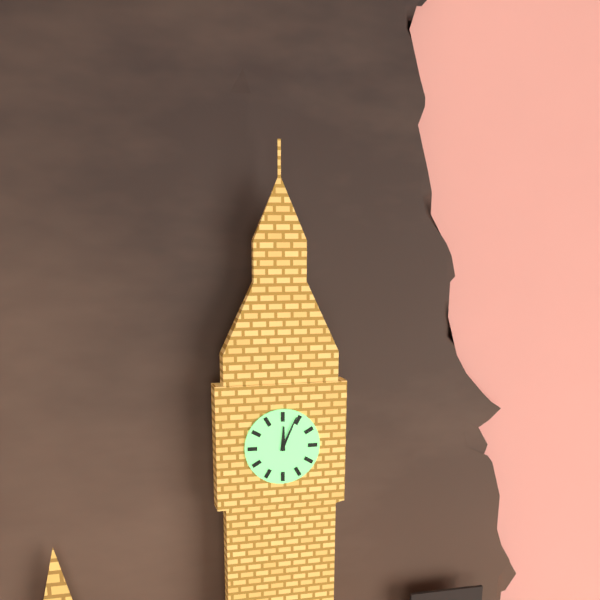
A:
12 h 04 min
